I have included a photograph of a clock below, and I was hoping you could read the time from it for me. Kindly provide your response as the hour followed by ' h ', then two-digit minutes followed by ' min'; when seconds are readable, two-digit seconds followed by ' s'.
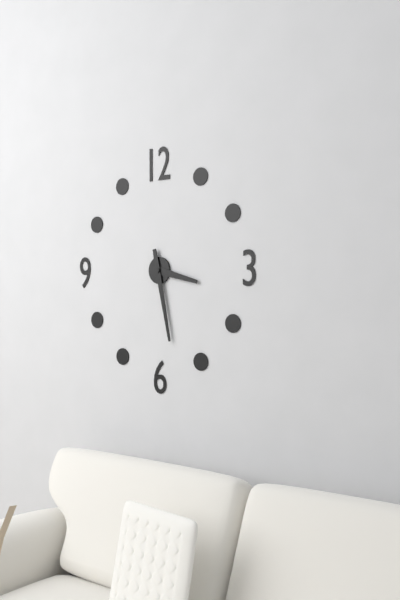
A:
3 h 28 min
